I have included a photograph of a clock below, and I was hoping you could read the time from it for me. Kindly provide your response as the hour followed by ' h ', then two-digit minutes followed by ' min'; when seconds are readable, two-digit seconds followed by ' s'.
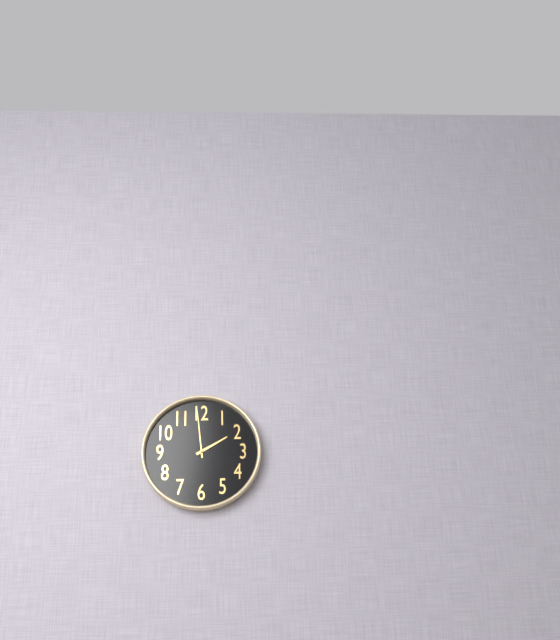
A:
1 h 59 min
